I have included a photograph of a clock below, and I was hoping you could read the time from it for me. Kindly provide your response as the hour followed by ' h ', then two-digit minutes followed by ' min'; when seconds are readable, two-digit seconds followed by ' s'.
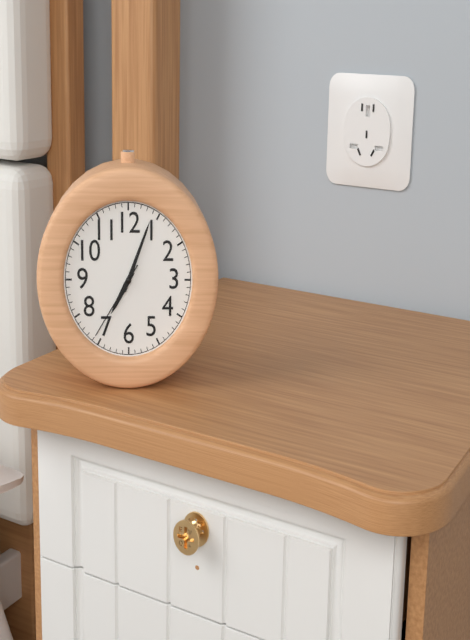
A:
7 h 04 min 36 s
